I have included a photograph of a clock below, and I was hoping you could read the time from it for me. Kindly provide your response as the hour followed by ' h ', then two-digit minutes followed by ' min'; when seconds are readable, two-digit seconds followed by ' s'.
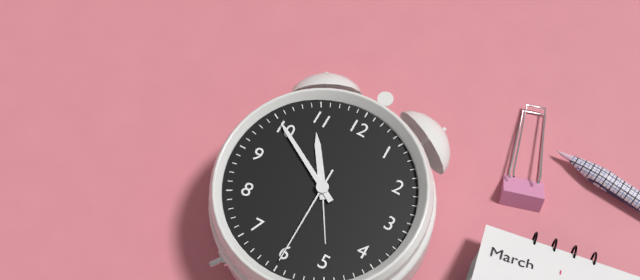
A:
10 h 50 min 30 s
